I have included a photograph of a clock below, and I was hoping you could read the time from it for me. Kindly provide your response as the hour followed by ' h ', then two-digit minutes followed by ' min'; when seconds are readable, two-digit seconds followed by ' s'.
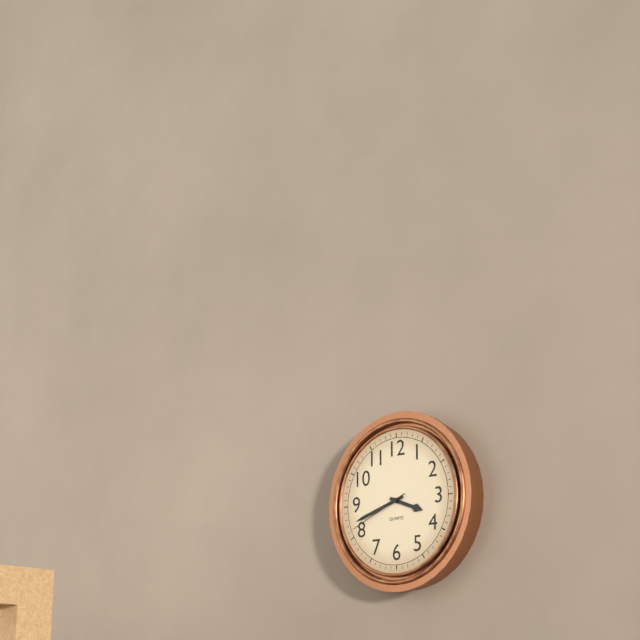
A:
3 h 42 min 41 s
